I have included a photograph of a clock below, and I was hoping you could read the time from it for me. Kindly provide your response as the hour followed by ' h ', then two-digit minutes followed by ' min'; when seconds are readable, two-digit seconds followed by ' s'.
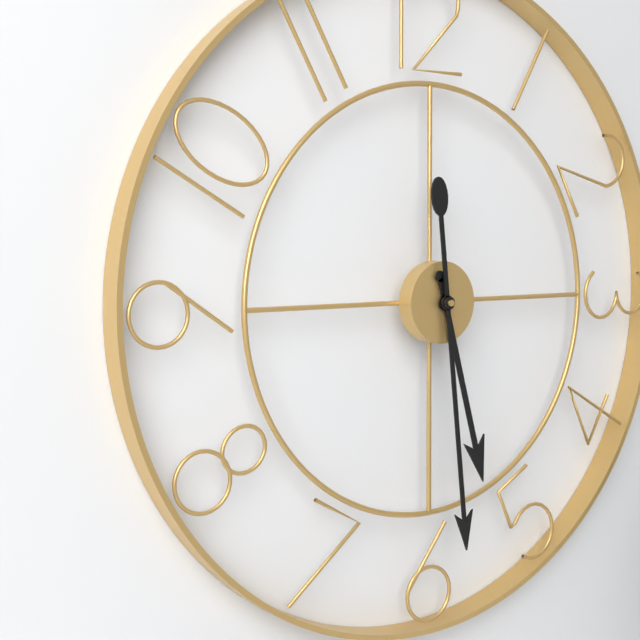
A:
5 h 29 min
